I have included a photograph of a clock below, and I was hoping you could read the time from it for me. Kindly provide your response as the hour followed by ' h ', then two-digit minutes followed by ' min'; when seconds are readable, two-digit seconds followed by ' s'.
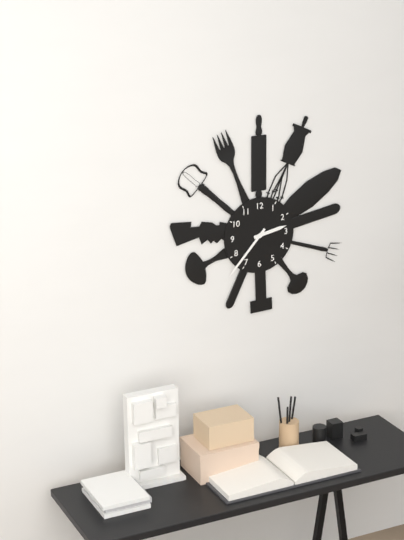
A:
2 h 37 min
